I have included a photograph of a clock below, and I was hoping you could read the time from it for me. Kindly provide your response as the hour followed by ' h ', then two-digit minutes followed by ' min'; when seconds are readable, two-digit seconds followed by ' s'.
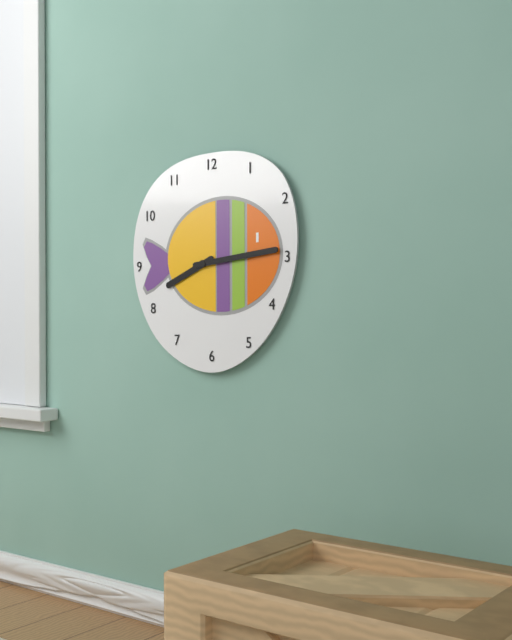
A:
8 h 14 min
